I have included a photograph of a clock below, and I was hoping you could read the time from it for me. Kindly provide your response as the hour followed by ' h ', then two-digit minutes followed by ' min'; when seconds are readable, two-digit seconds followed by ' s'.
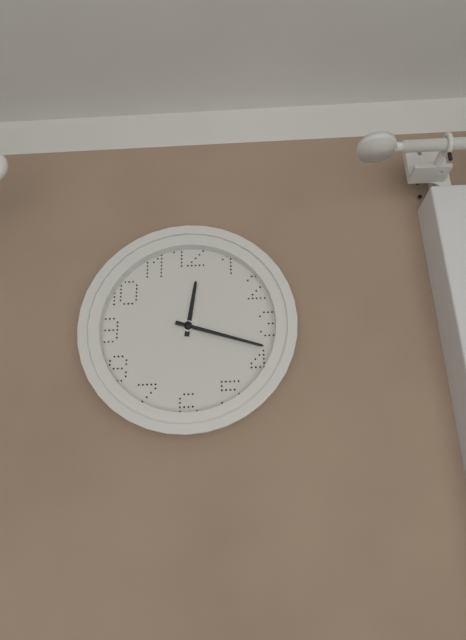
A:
12 h 18 min
